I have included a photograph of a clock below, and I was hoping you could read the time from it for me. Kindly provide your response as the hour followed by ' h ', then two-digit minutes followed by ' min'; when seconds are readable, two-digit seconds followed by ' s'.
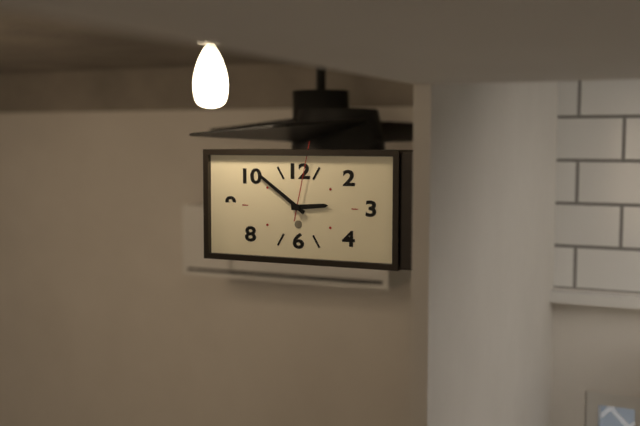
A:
2 h 51 min 02 s
